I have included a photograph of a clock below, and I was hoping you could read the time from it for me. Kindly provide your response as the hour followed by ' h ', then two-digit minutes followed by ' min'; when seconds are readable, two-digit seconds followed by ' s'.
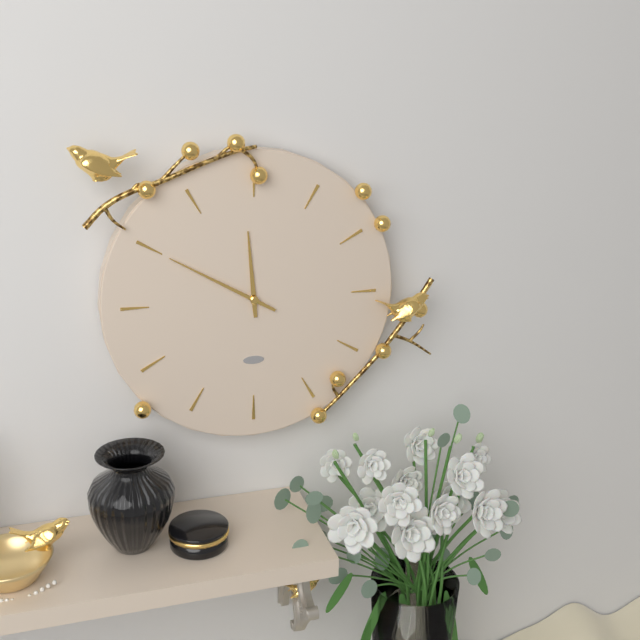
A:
11 h 50 min
